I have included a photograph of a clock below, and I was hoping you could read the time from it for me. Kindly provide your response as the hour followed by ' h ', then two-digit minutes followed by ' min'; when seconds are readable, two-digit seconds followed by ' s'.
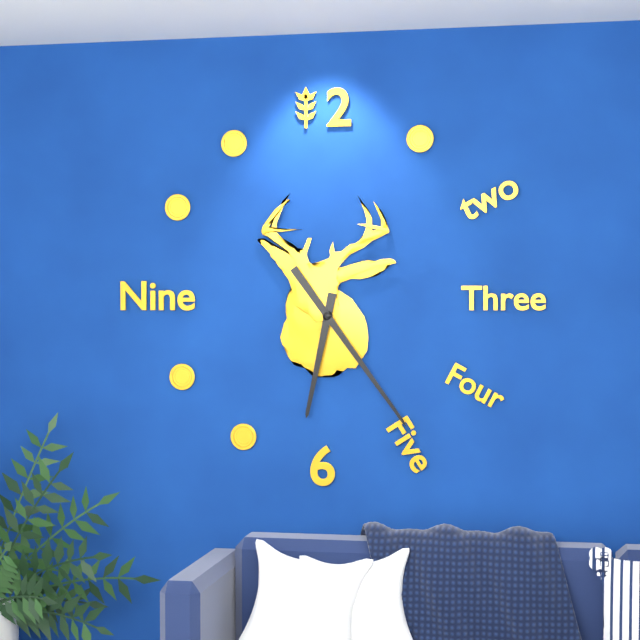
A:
6 h 24 min
